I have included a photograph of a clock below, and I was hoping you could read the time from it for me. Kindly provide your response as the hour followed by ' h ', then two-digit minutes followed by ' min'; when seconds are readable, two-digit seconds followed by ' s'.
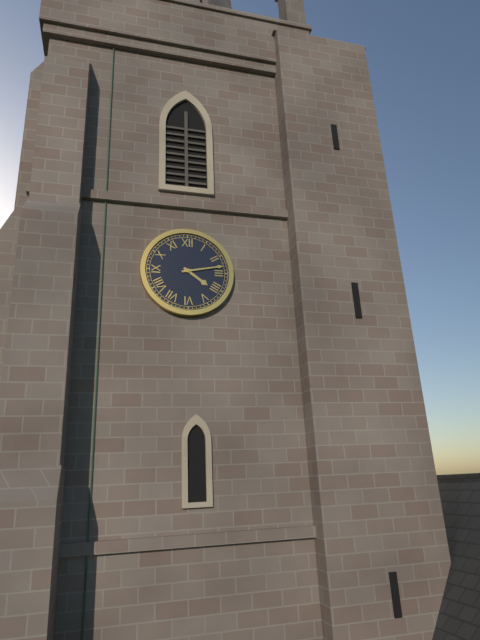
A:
4 h 13 min
